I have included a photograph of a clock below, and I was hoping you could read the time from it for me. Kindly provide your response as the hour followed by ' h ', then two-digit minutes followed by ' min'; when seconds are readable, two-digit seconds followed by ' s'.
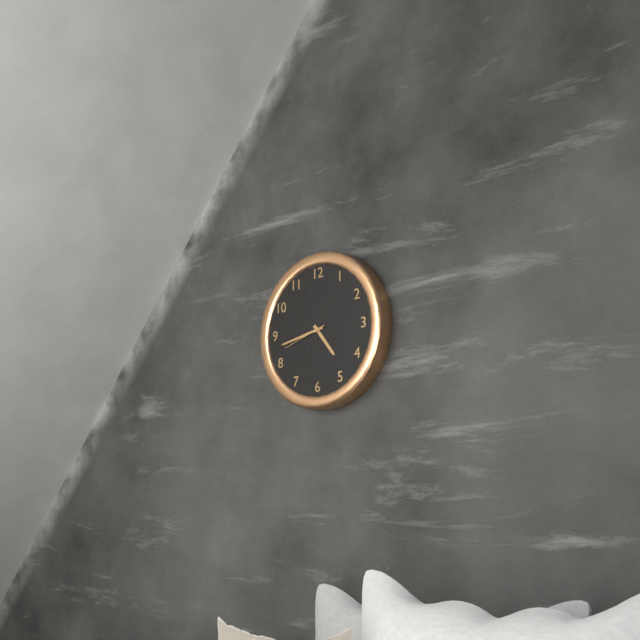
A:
4 h 43 min
